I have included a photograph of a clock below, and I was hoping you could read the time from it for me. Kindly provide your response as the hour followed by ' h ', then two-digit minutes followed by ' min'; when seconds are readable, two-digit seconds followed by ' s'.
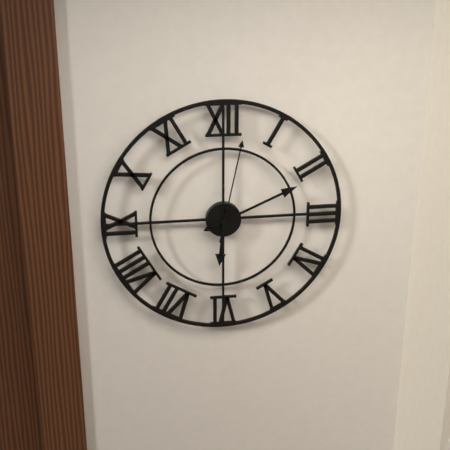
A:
6 h 11 min 02 s
